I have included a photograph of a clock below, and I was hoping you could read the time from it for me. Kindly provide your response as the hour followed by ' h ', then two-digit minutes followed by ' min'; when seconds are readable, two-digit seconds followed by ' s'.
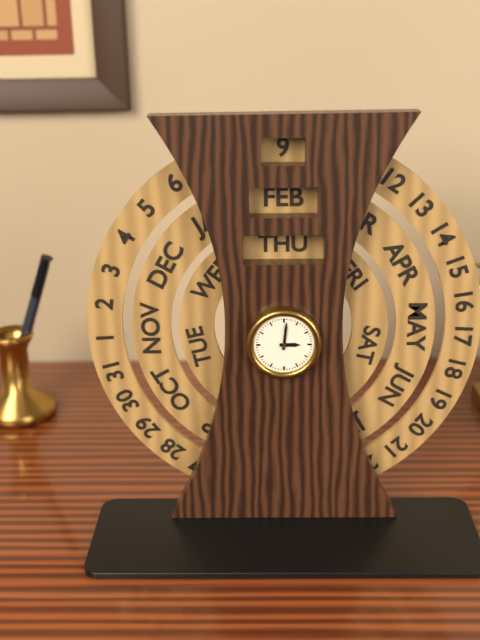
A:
3 h 01 min
